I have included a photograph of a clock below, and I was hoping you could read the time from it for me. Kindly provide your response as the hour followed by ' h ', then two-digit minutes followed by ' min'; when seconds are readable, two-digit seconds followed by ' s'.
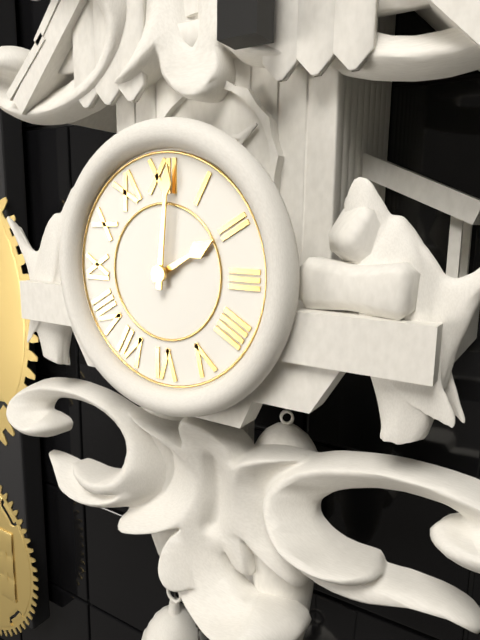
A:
2 h 01 min
